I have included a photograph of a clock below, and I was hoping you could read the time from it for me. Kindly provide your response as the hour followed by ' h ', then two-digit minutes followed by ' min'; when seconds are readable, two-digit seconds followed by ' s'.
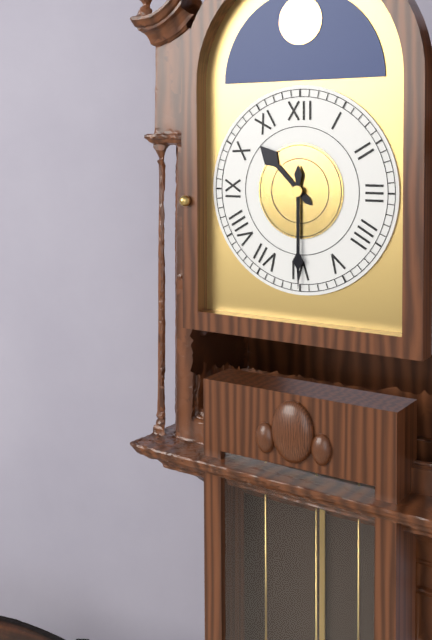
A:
10 h 30 min
